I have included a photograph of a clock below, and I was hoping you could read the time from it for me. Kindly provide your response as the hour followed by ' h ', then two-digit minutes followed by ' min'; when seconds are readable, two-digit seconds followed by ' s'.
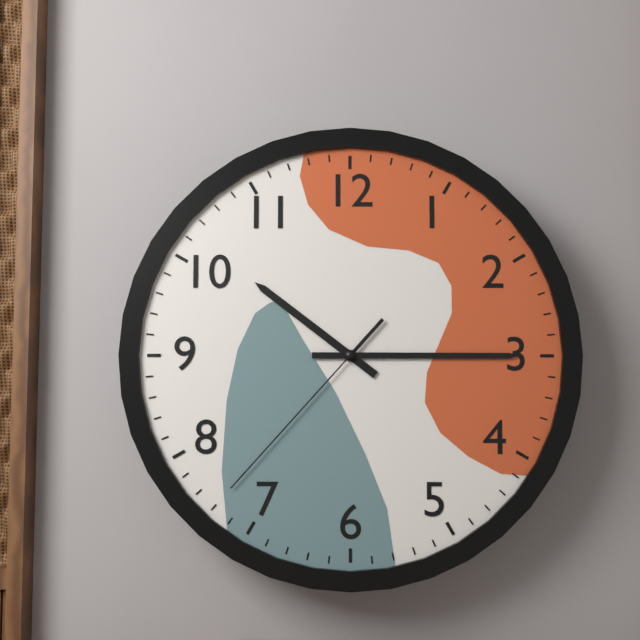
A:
10 h 15 min 37 s
